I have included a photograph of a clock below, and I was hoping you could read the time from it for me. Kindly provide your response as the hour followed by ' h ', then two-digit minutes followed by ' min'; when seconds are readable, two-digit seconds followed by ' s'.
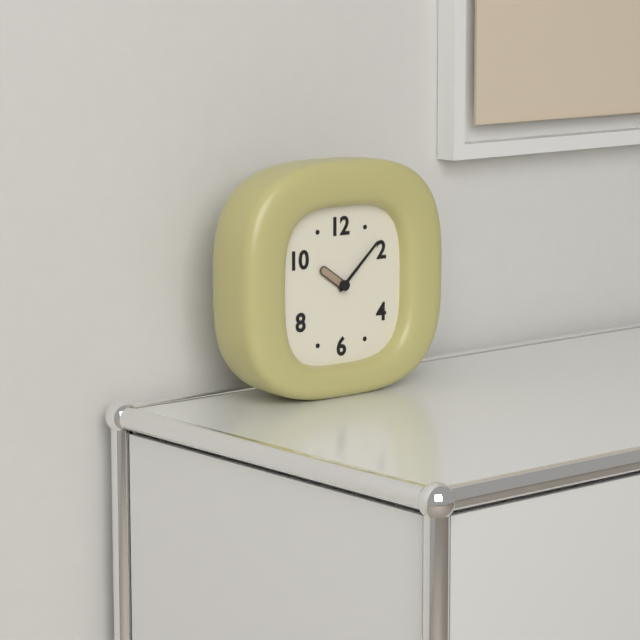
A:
10 h 08 min
